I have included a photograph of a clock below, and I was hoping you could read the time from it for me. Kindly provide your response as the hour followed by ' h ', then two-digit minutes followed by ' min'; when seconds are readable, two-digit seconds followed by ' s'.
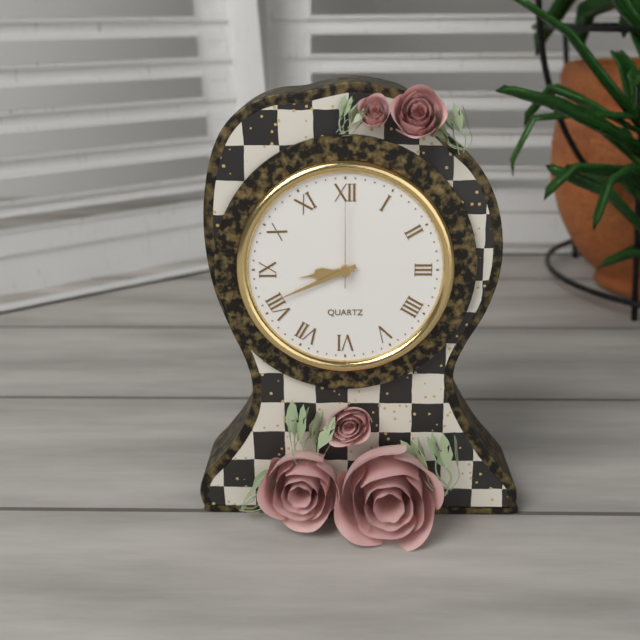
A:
8 h 41 min 00 s
